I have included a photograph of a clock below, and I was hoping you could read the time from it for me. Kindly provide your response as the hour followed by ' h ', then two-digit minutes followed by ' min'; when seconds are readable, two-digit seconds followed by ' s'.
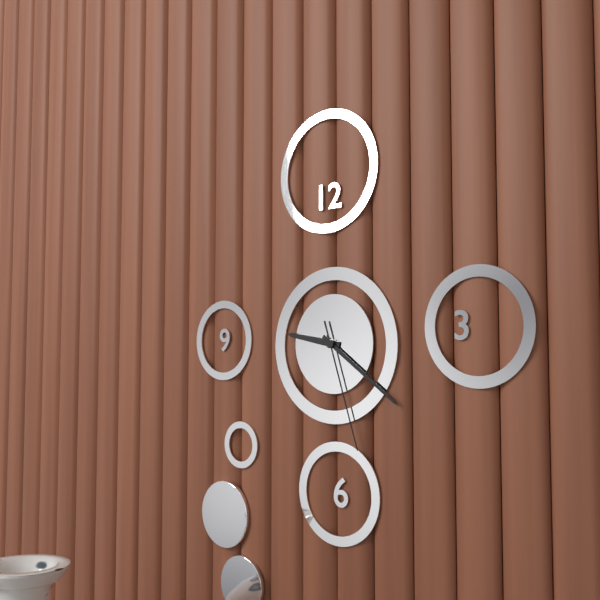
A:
9 h 21 min 27 s
